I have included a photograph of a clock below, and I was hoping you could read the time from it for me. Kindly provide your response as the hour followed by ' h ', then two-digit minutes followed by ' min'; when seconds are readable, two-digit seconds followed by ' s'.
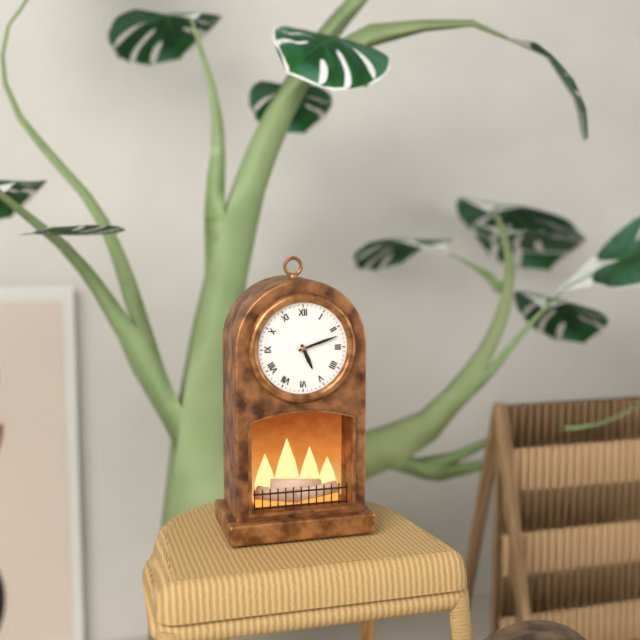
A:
5 h 12 min
